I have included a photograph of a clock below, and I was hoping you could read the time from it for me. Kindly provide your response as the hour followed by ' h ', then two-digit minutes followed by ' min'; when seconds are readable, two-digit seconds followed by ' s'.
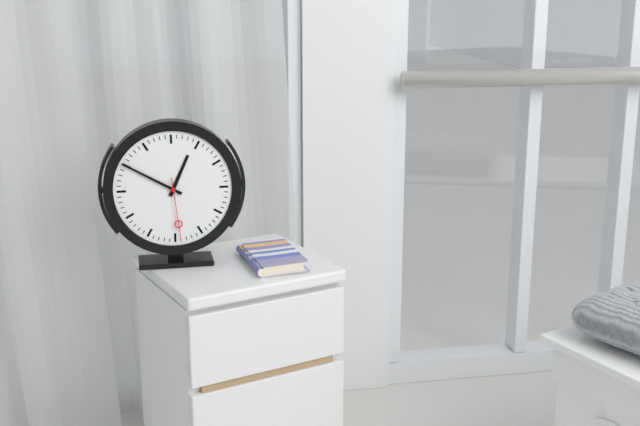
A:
12 h 50 min 29 s
